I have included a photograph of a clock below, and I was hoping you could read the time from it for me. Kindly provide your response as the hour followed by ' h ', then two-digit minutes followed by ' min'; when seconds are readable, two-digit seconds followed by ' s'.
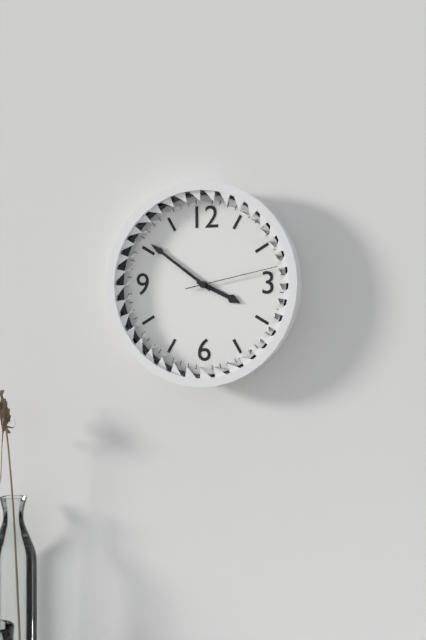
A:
3 h 51 min 13 s
